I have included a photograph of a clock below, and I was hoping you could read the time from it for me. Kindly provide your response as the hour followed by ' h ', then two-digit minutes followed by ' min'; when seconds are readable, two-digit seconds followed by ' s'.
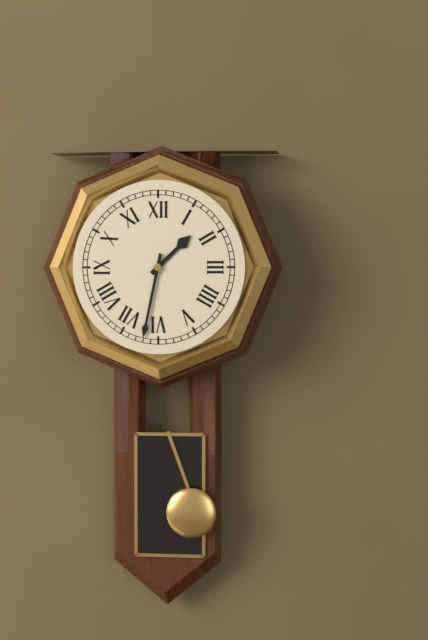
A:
1 h 32 min
